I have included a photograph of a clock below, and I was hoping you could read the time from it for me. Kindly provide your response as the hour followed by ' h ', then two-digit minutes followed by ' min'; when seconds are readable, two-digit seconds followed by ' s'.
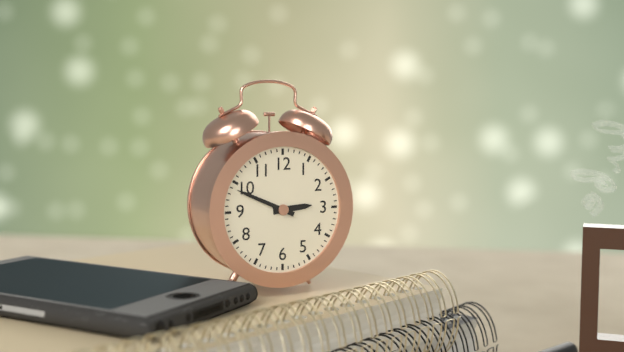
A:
2 h 49 min
